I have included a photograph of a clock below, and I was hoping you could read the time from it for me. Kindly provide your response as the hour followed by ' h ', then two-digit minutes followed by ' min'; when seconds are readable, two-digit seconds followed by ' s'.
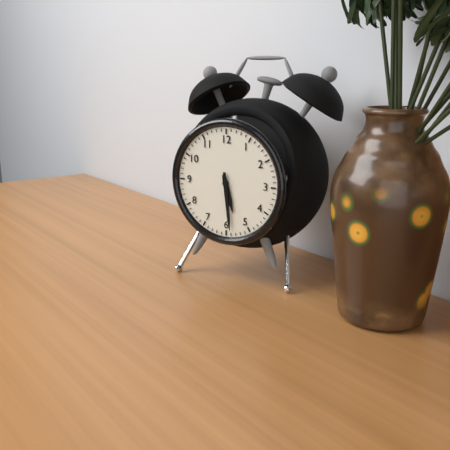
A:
5 h 29 min
